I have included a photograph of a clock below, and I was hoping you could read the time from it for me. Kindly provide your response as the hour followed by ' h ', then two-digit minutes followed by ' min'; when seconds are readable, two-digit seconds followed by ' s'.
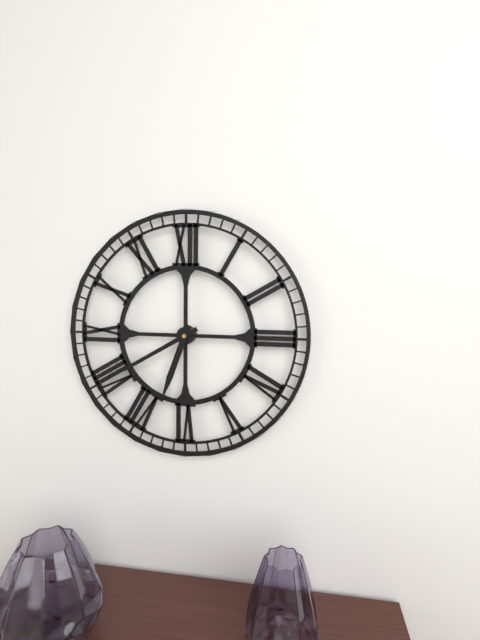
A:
6 h 40 min
